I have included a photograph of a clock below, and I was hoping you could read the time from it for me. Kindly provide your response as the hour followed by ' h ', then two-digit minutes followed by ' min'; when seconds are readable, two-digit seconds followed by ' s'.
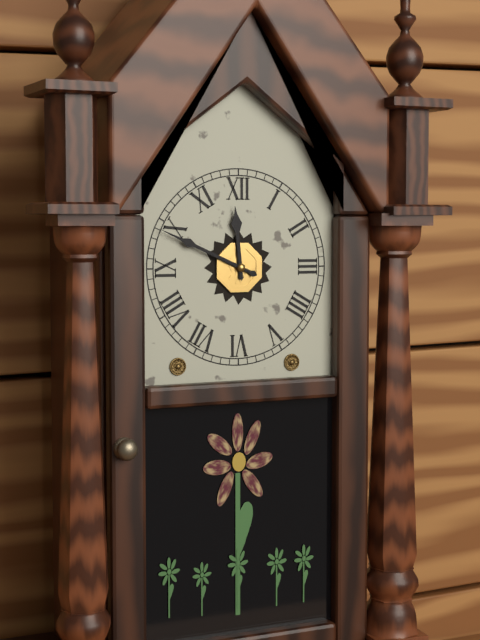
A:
11 h 49 min
